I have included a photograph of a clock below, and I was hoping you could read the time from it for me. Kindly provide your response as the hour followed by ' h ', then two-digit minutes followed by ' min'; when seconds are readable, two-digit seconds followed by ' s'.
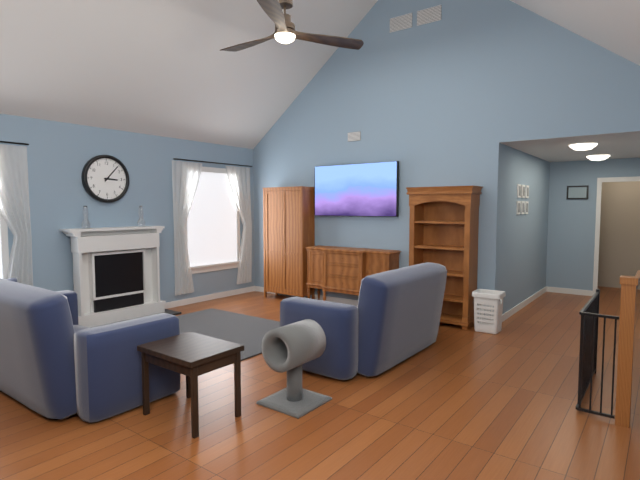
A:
3 h 07 min
